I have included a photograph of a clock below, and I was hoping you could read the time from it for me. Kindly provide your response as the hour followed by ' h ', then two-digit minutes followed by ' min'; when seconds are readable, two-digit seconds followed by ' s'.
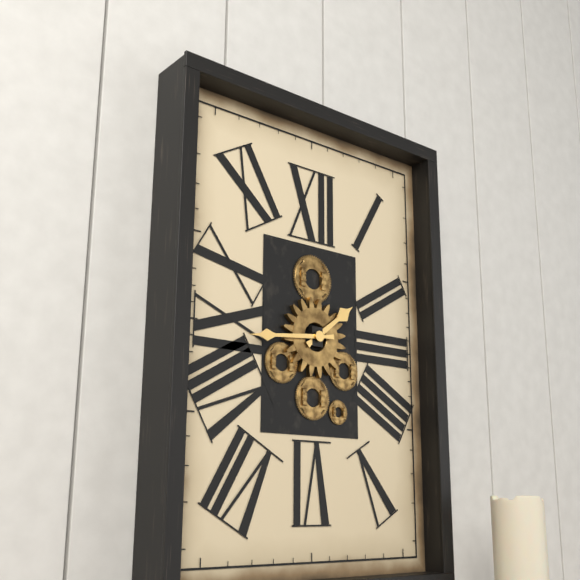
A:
1 h 44 min
